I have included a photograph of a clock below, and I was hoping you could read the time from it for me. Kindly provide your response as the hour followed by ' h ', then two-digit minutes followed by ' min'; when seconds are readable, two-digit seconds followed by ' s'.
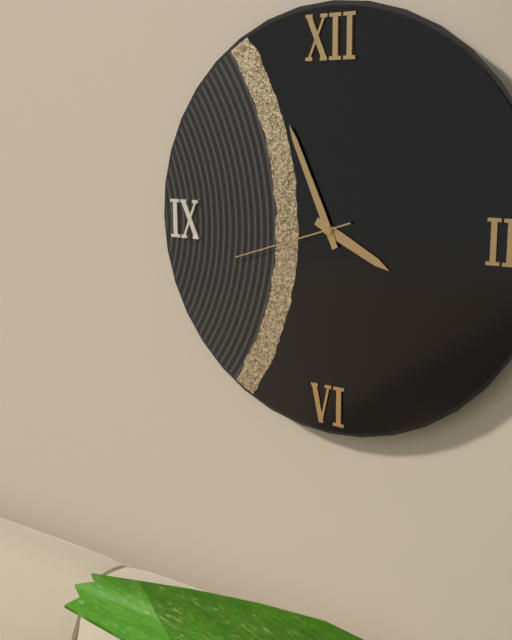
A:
3 h 56 min 42 s
